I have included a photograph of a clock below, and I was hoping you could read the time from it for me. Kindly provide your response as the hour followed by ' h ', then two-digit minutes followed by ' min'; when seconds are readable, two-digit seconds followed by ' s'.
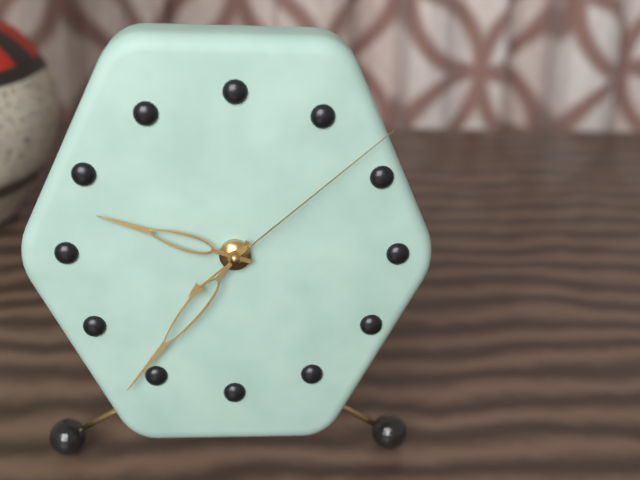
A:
9 h 36 min 08 s
